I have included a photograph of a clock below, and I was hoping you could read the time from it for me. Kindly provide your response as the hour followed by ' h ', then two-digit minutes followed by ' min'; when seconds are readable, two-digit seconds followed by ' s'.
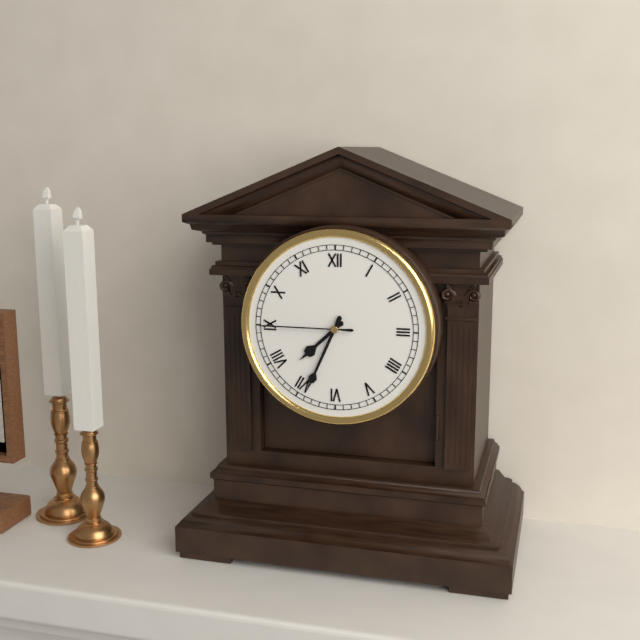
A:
7 h 34 min 45 s
